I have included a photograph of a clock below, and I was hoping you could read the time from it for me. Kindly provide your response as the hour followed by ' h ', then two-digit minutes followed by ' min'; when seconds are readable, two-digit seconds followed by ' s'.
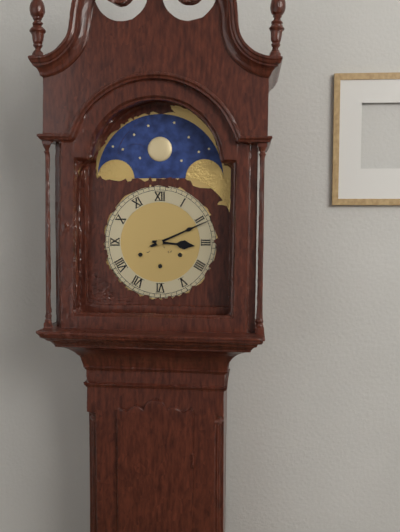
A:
3 h 11 min
